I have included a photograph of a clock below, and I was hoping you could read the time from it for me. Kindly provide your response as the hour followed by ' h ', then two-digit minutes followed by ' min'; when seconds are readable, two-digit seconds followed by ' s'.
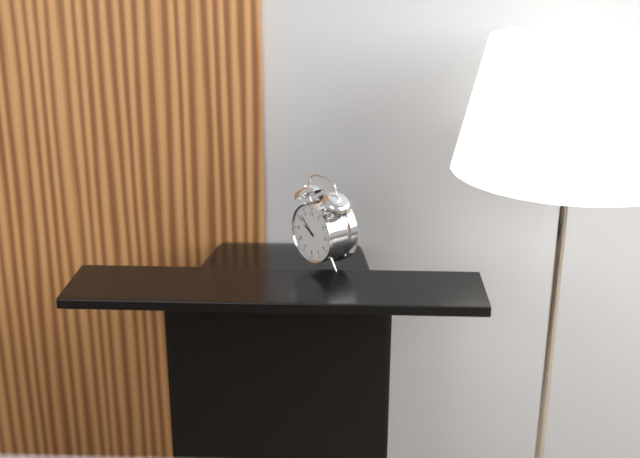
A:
9 h 52 min
